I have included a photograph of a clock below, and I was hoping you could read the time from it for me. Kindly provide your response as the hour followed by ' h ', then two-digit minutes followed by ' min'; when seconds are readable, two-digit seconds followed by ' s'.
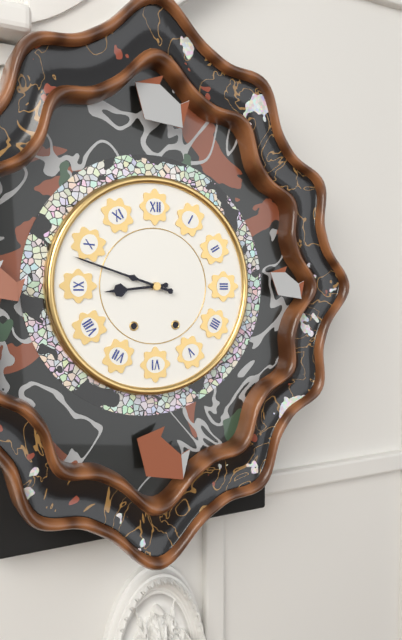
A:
8 h 48 min
